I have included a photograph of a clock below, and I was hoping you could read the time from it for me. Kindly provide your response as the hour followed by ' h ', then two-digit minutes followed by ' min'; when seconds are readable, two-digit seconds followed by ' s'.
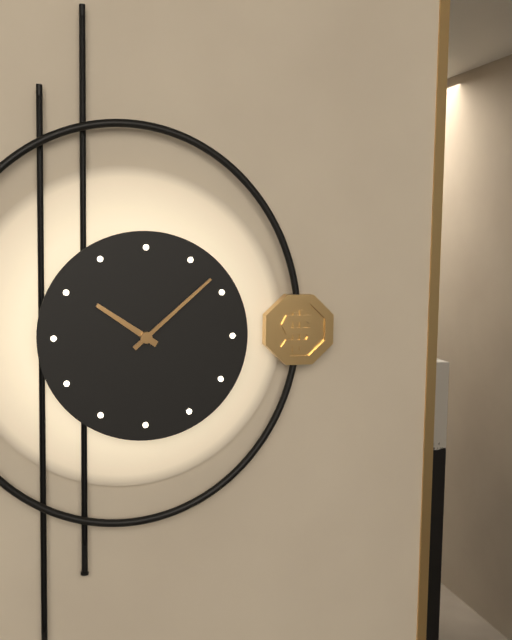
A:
10 h 08 min
